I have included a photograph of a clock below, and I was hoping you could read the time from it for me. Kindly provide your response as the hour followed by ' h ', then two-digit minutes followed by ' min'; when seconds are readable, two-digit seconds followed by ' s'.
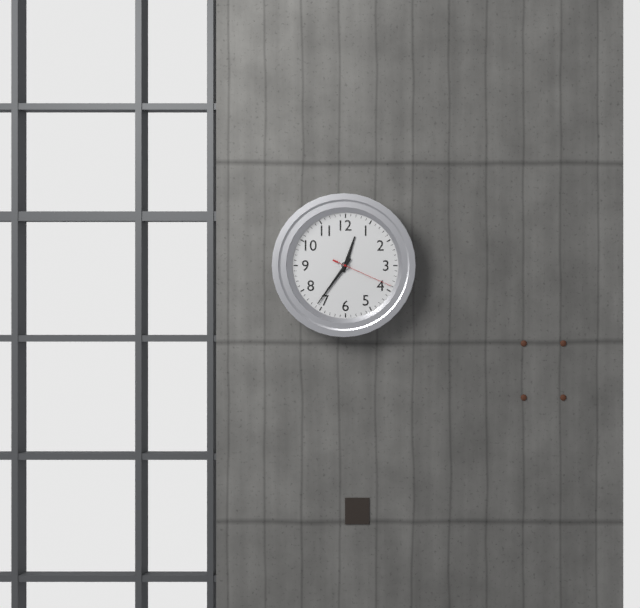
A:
12 h 36 min 19 s
